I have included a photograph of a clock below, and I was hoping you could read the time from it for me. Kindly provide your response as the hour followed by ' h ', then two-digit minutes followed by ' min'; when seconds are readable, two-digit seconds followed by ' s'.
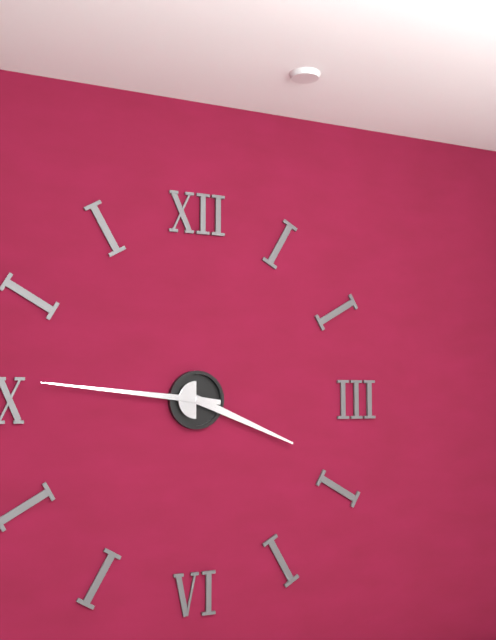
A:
3 h 46 min
